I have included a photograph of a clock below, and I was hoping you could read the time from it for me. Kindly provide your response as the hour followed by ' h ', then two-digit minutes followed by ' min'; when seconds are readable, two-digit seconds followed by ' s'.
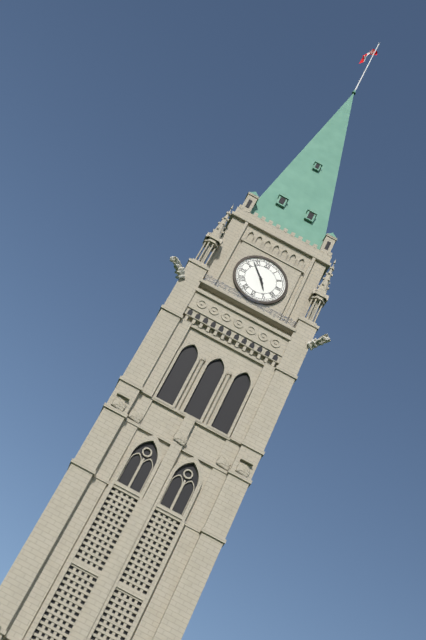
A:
4 h 53 min
